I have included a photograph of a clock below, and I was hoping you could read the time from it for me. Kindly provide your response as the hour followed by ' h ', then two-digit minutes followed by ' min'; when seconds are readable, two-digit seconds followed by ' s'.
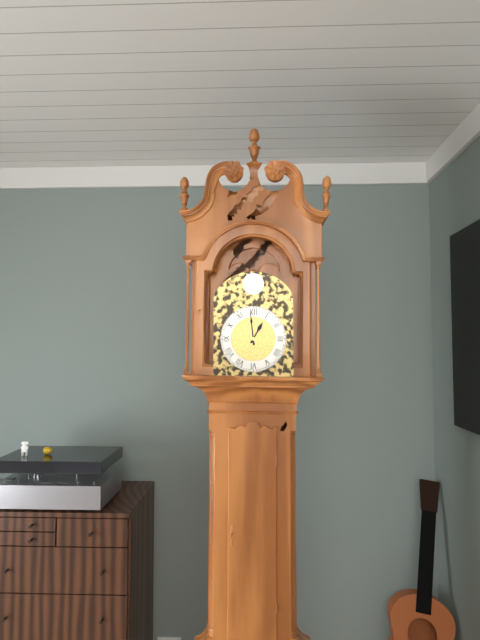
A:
12 h 59 min
